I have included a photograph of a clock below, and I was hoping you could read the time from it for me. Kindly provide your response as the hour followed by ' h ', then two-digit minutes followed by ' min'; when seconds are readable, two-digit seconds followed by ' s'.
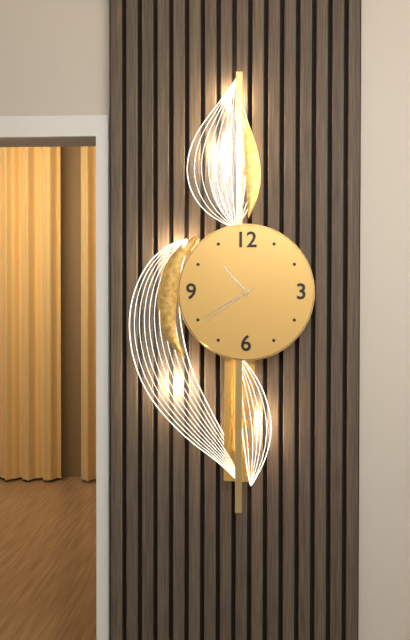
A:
10 h 39 min 40 s
